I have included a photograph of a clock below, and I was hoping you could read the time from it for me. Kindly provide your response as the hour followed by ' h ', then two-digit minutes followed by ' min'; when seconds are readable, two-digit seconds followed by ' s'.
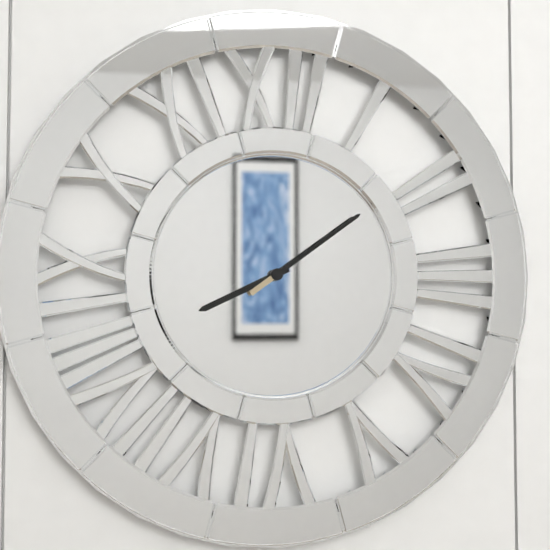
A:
8 h 09 min
